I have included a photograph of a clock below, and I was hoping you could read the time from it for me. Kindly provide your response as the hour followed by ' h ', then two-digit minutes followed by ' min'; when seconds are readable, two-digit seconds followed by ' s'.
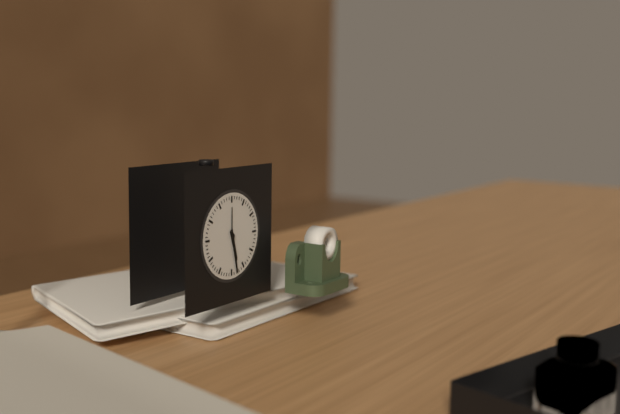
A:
5 h 28 min
